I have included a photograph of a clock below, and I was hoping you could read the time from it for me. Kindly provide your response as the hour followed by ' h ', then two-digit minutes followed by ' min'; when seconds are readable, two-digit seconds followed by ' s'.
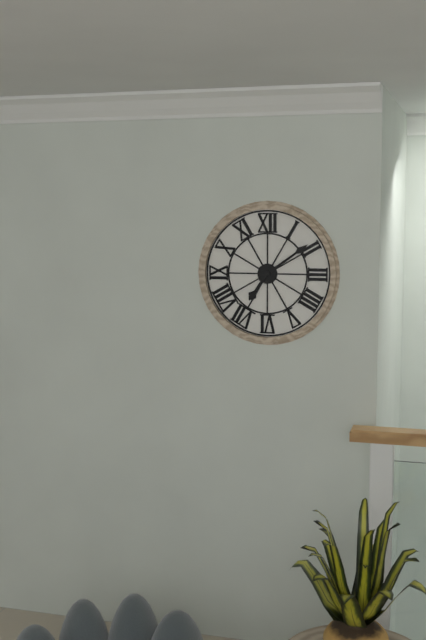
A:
7 h 09 min
